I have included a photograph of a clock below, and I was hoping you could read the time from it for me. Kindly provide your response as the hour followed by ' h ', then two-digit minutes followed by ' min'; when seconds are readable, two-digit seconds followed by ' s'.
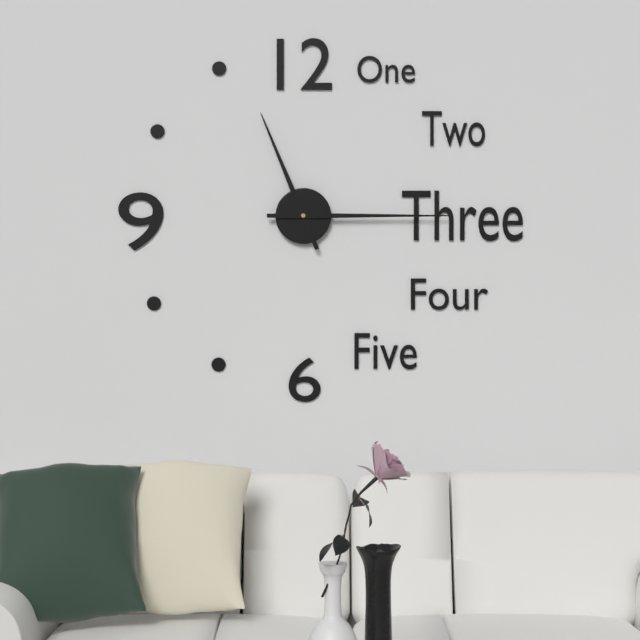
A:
11 h 15 min
